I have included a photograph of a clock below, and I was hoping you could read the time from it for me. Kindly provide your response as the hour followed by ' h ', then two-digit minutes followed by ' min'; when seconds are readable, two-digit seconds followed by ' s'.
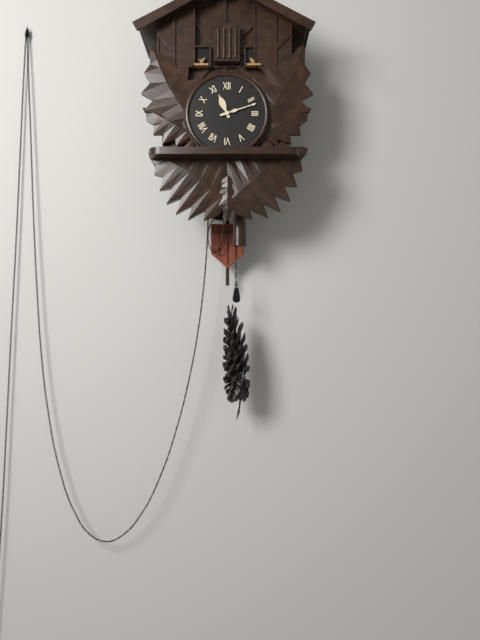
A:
11 h 12 min
